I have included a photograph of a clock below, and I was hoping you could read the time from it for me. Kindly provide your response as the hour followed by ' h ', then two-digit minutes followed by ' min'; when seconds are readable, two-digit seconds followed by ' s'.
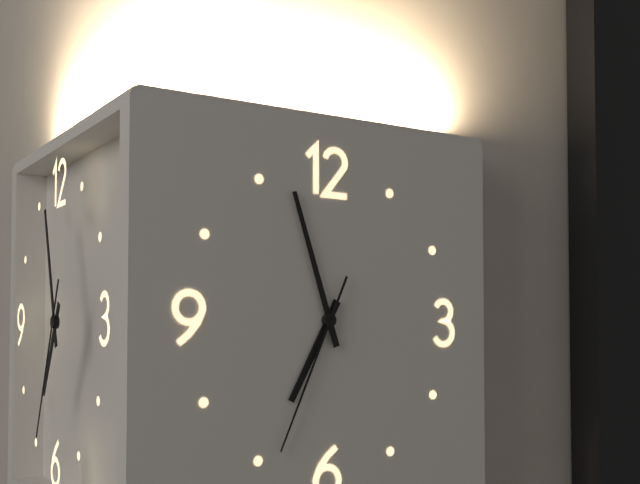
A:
6 h 57 min 34 s
